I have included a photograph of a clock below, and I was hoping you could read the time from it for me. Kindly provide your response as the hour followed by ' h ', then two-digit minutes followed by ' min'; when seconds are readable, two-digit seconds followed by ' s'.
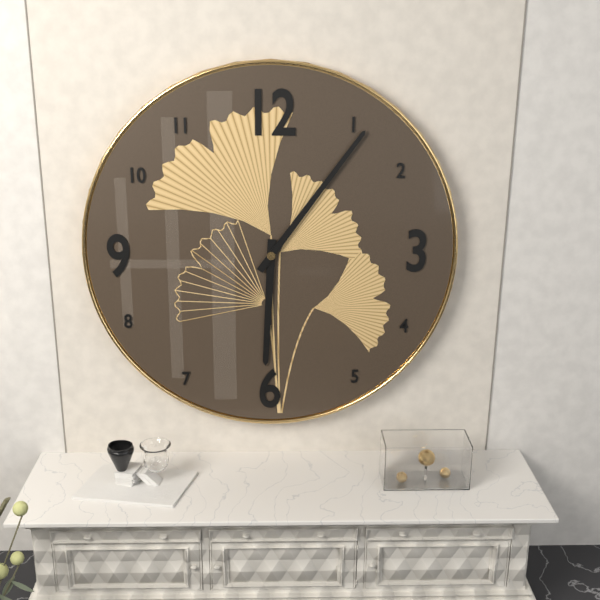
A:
6 h 06 min
